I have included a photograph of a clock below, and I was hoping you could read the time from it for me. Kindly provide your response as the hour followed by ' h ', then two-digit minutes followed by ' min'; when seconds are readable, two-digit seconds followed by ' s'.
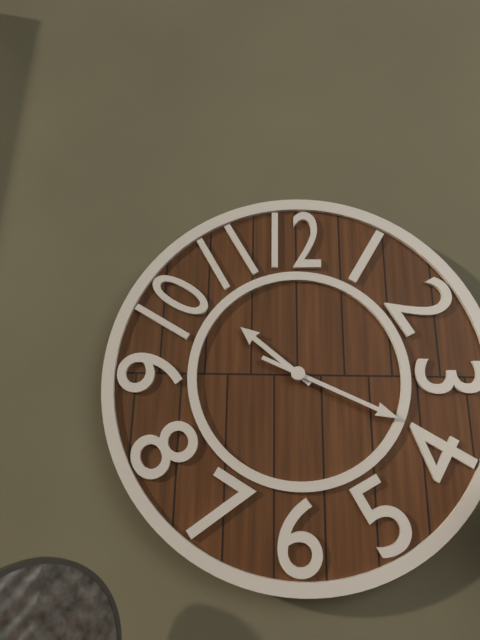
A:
10 h 19 min
